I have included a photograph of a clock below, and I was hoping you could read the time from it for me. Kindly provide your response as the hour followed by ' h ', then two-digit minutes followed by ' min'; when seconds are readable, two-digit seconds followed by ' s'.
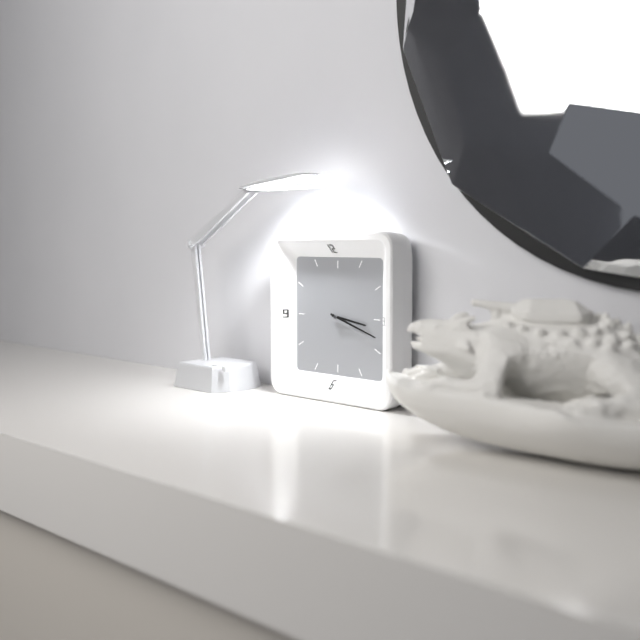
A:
3 h 18 min
